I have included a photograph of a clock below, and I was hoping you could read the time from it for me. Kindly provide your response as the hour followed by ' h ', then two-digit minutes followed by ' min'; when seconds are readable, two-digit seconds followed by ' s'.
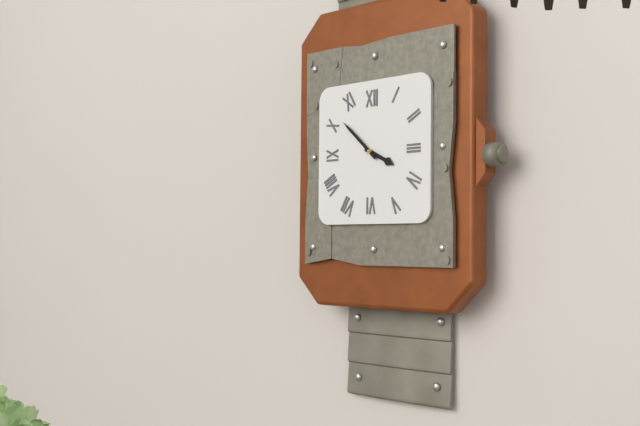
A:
3 h 52 min
